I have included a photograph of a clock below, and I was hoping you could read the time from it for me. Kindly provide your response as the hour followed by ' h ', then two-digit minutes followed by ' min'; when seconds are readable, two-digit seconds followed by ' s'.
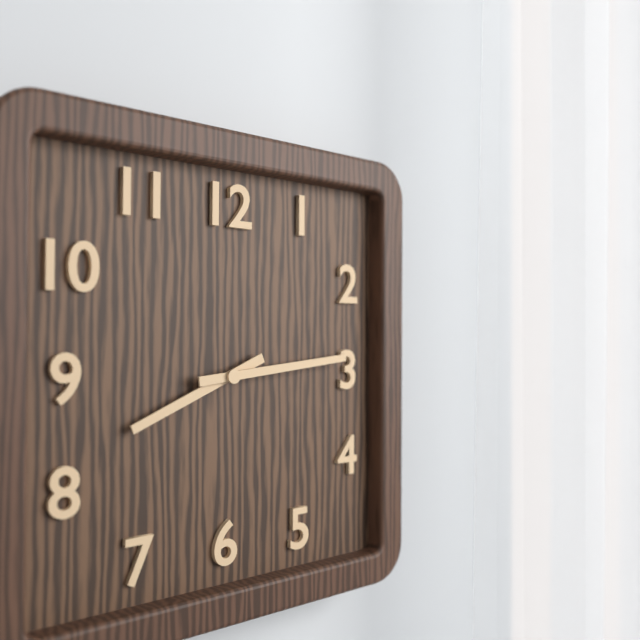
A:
8 h 14 min
